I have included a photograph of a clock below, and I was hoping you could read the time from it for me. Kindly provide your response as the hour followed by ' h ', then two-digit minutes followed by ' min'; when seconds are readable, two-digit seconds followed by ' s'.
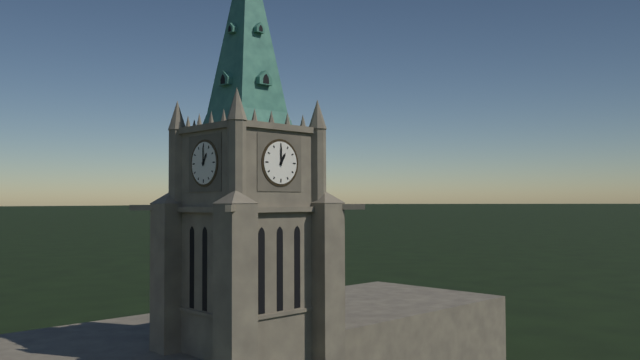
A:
1 h 00 min
